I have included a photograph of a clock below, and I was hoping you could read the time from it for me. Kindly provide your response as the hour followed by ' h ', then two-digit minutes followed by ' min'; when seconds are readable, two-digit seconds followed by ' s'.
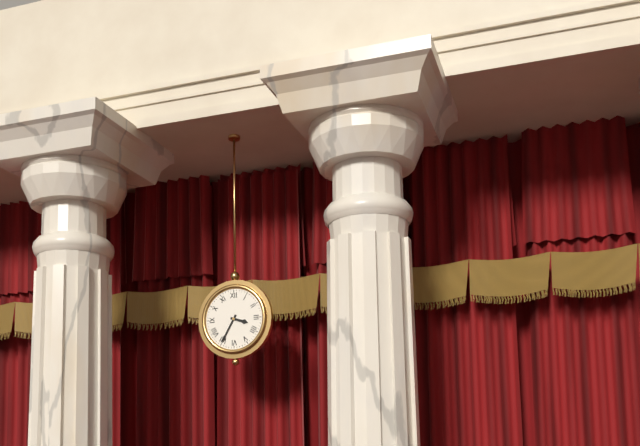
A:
3 h 35 min
